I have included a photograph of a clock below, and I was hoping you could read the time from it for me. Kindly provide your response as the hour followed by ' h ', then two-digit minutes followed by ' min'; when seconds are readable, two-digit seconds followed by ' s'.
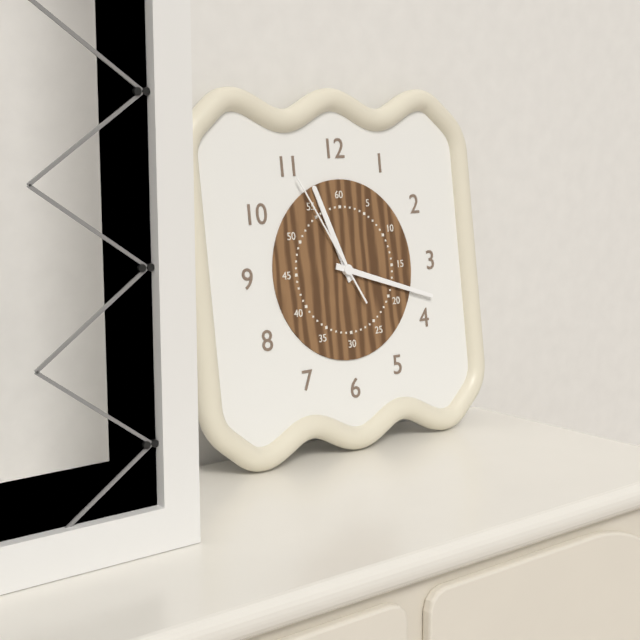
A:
11 h 18 min 55 s
